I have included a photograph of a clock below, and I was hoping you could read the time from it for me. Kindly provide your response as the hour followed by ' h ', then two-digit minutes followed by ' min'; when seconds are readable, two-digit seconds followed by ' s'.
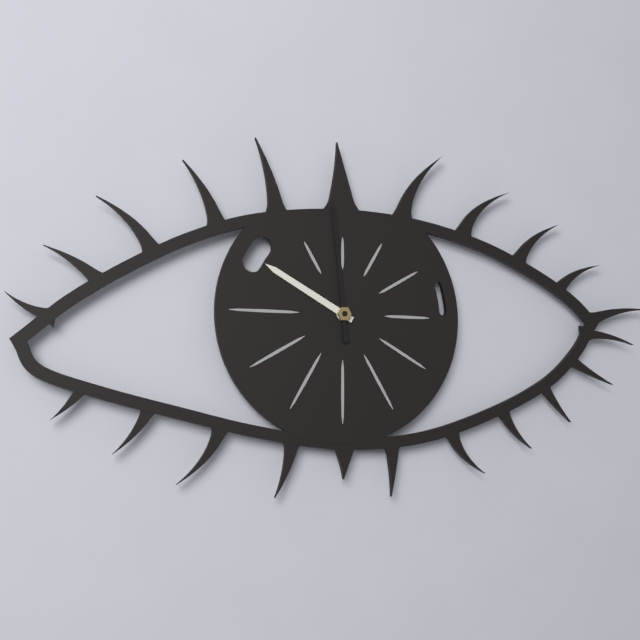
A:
9 h 59 min
